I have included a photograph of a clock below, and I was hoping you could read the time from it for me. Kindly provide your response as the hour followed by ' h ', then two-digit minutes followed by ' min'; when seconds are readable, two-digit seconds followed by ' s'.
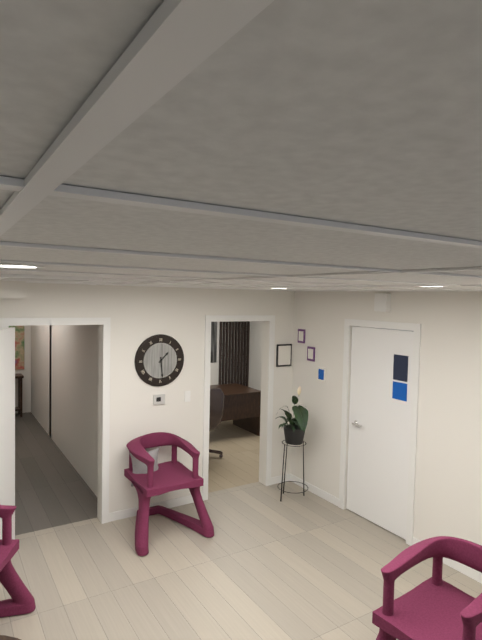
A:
1 h 29 min
